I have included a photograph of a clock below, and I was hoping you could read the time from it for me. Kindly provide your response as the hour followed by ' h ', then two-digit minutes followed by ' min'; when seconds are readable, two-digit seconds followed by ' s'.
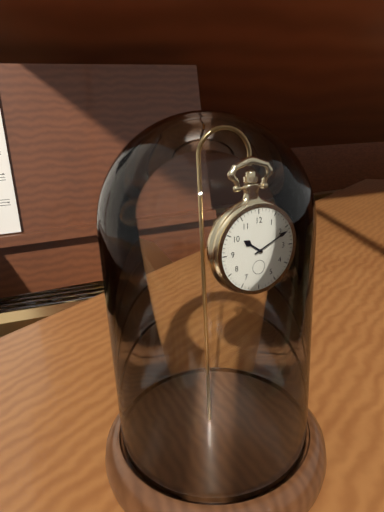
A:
10 h 11 min
